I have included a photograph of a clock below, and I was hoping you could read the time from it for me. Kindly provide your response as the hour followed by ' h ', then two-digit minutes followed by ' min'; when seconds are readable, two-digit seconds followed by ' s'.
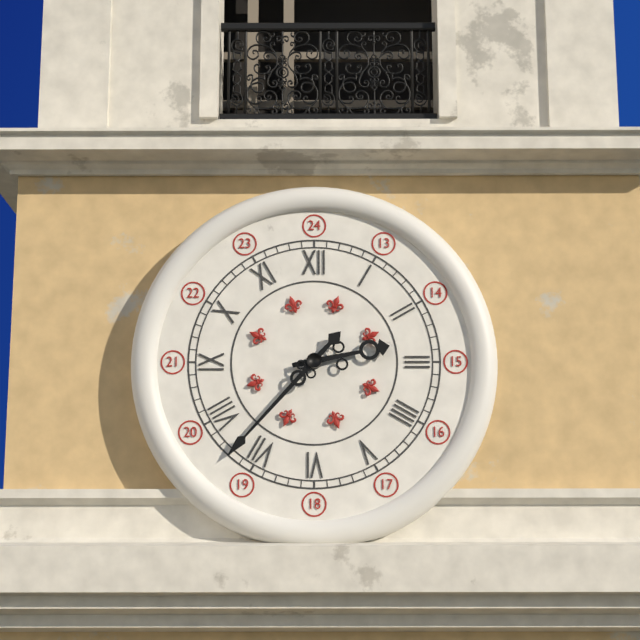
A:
2 h 37 min
